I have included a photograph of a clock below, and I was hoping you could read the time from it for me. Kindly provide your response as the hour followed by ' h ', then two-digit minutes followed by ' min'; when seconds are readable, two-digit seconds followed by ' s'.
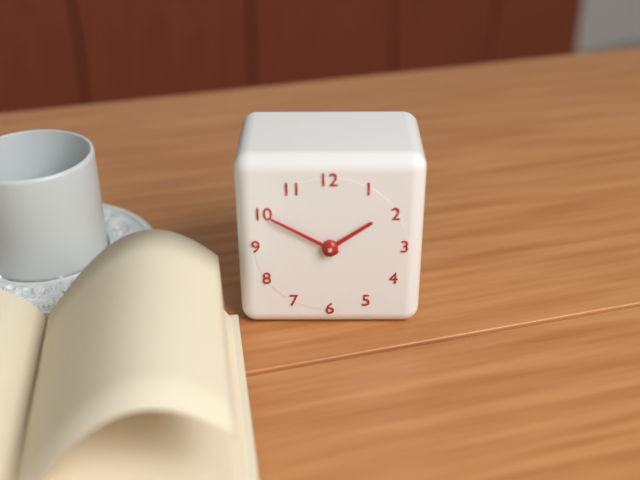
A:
1 h 50 min
